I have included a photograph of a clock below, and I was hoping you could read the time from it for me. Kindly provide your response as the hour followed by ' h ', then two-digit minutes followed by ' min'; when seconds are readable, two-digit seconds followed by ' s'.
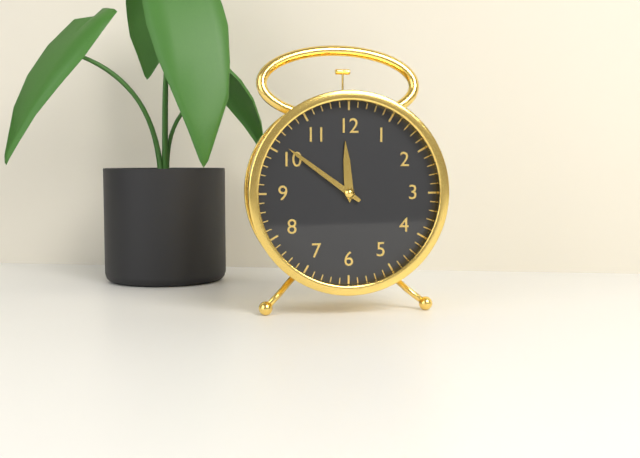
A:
11 h 51 min
